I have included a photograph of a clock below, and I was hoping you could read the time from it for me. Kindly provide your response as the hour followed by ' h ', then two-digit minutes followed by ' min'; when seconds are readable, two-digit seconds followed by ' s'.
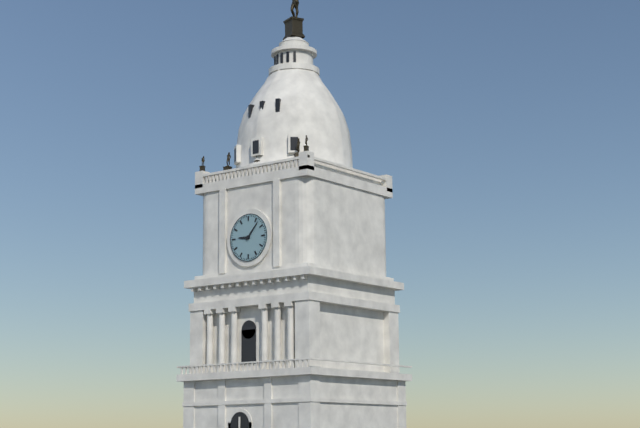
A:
9 h 07 min
